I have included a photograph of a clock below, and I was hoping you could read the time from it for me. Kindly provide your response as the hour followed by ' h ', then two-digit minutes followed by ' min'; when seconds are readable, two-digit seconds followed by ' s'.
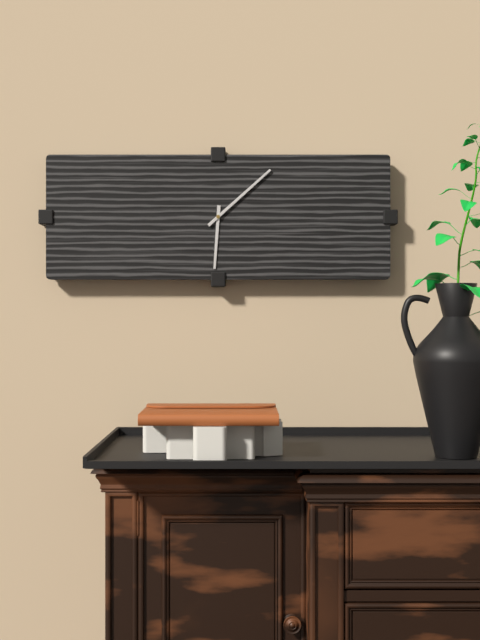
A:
6 h 08 min
